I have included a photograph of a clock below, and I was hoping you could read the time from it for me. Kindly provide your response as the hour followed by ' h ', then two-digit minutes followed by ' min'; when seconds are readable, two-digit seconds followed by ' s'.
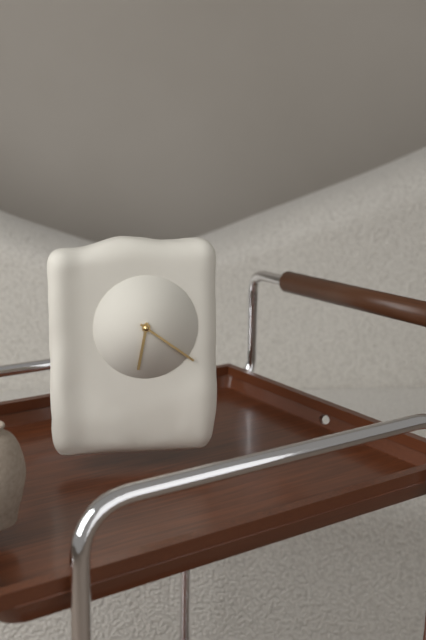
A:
6 h 21 min
